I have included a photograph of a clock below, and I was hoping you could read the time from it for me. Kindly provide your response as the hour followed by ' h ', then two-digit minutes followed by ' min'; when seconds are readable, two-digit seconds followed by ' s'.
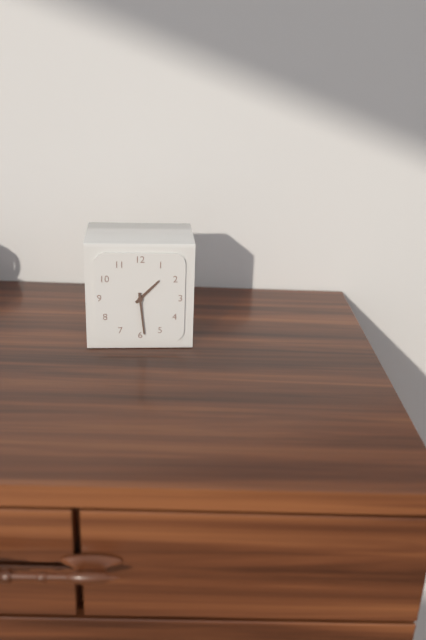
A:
1 h 29 min
